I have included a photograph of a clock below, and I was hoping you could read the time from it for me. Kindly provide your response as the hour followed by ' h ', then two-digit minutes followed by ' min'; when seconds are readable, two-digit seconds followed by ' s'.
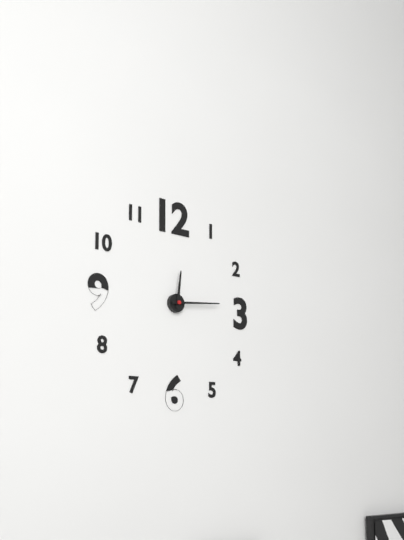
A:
12 h 14 min
